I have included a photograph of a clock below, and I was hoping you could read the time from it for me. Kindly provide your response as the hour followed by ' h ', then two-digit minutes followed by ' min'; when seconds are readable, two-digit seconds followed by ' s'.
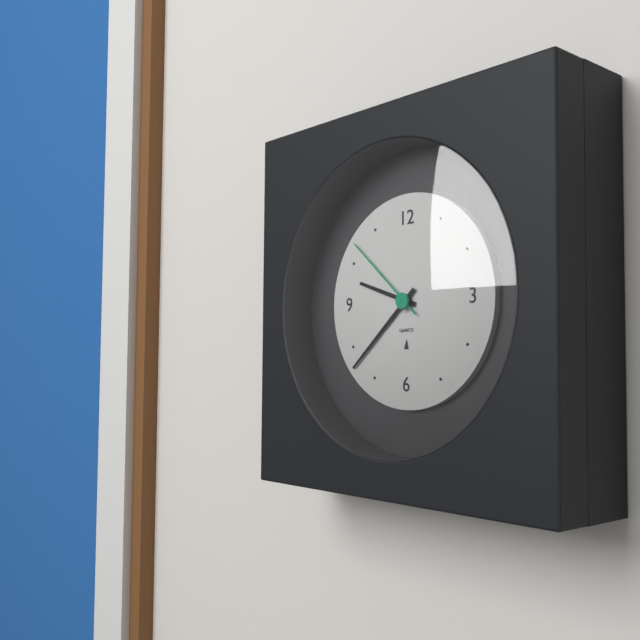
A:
9 h 38 min 52 s
